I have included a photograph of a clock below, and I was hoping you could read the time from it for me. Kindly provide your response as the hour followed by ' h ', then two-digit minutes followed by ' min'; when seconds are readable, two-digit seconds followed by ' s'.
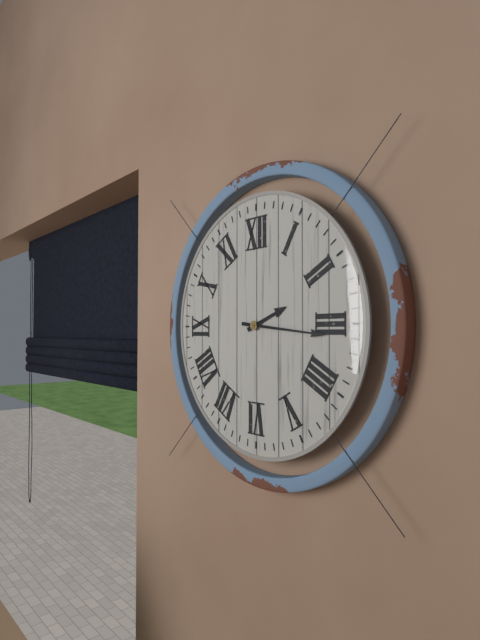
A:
2 h 16 min
